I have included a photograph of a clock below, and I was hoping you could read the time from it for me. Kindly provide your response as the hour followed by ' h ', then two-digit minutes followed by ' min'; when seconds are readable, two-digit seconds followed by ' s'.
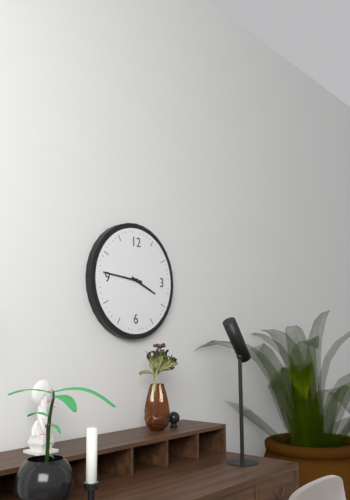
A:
3 h 46 min
